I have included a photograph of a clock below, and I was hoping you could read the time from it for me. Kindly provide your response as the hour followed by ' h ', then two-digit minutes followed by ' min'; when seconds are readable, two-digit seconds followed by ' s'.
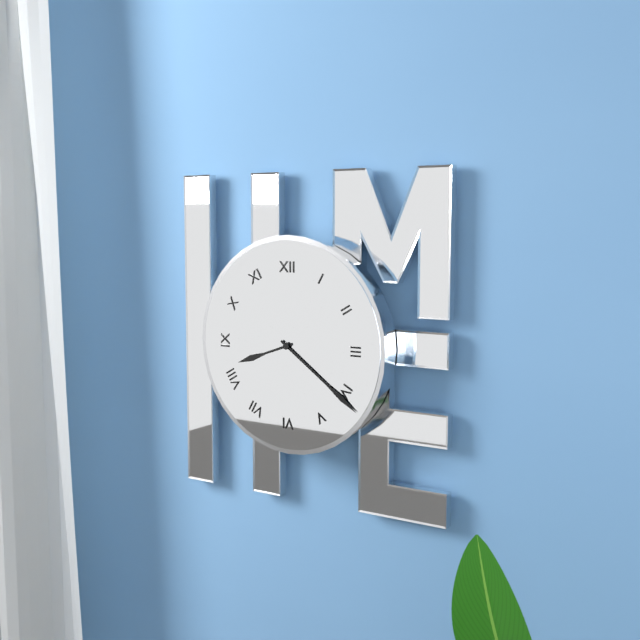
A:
8 h 21 min
